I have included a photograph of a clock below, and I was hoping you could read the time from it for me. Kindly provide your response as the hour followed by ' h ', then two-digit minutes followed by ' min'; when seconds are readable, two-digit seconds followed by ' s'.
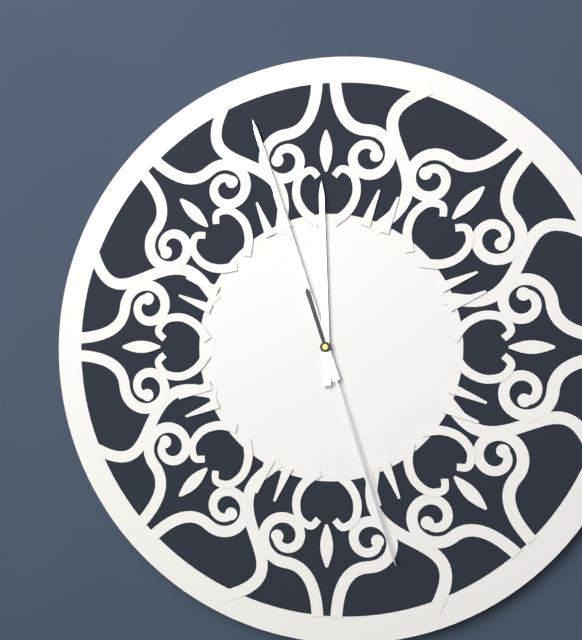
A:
11 h 57 min 27 s
